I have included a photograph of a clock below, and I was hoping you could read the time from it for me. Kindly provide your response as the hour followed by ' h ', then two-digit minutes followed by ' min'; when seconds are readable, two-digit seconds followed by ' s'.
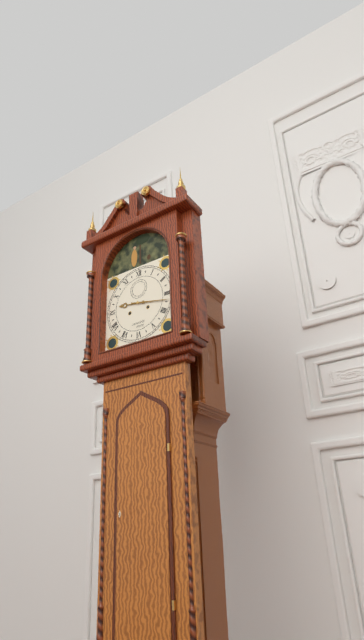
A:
9 h 17 min
